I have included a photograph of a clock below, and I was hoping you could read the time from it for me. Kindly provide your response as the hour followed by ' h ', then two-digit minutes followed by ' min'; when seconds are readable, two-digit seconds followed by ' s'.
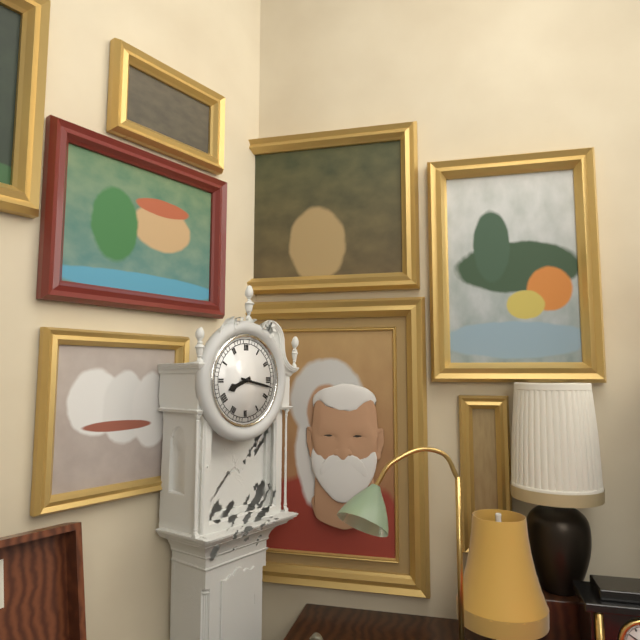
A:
8 h 17 min
